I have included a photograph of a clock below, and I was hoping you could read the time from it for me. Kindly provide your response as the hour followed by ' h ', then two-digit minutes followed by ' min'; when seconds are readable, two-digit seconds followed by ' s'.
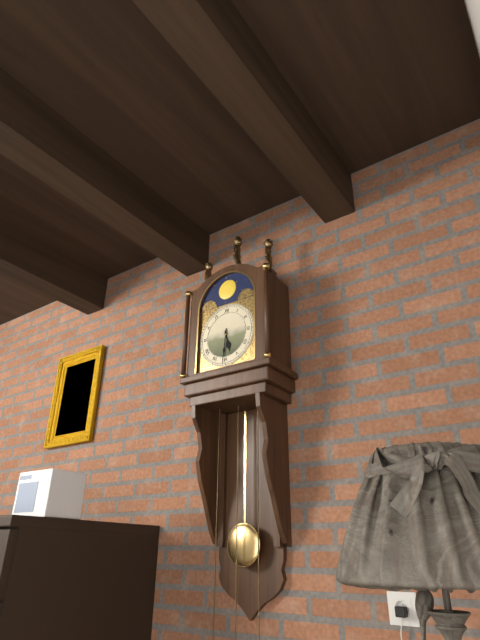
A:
5 h 31 min
